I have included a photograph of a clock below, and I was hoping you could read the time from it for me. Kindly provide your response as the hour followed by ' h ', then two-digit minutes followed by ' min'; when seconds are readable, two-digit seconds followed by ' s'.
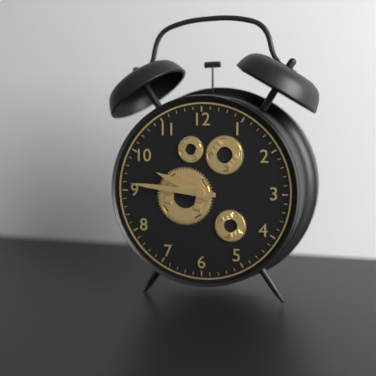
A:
9 h 46 min
